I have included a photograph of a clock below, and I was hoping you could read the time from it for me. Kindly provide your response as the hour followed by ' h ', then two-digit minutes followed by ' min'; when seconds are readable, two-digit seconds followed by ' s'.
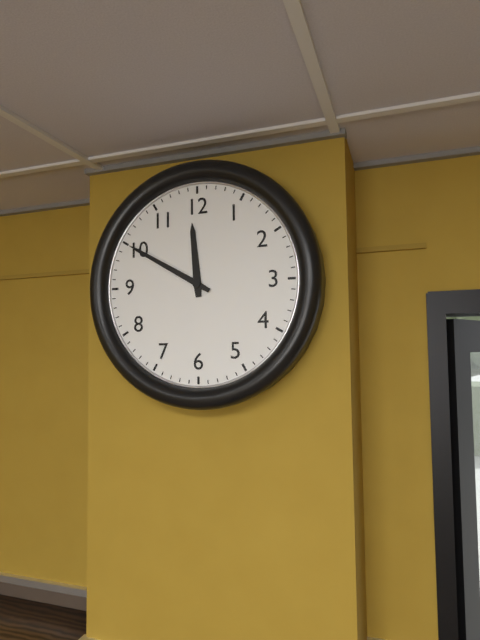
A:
11 h 50 min
